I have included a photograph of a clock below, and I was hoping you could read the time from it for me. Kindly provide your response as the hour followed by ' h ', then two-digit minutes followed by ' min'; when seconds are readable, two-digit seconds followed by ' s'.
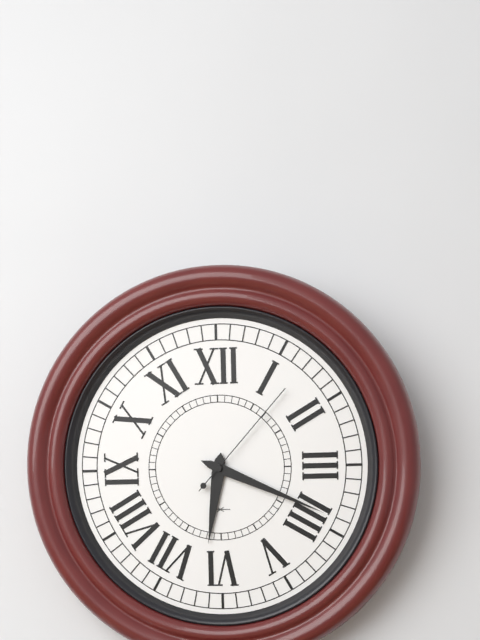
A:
6 h 19 min 07 s
